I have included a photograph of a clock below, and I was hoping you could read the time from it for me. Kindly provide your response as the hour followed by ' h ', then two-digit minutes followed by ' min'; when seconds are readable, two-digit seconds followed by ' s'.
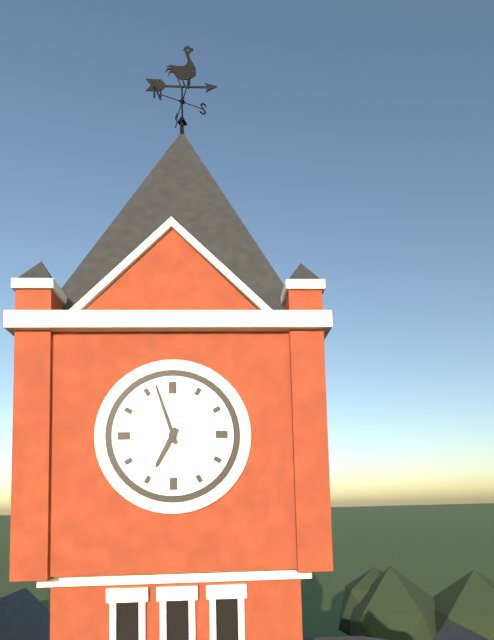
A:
6 h 57 min
